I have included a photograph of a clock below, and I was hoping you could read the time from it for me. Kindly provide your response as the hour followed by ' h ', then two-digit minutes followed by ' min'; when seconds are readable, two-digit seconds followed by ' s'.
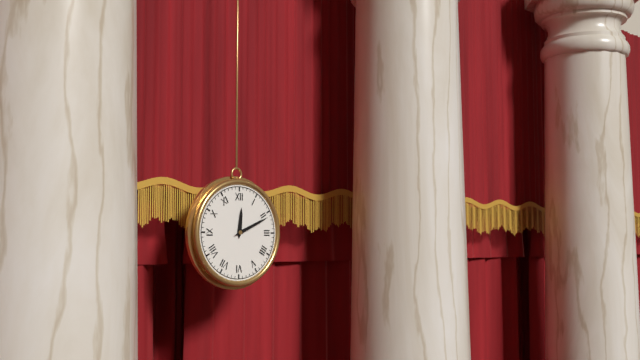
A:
12 h 11 min
